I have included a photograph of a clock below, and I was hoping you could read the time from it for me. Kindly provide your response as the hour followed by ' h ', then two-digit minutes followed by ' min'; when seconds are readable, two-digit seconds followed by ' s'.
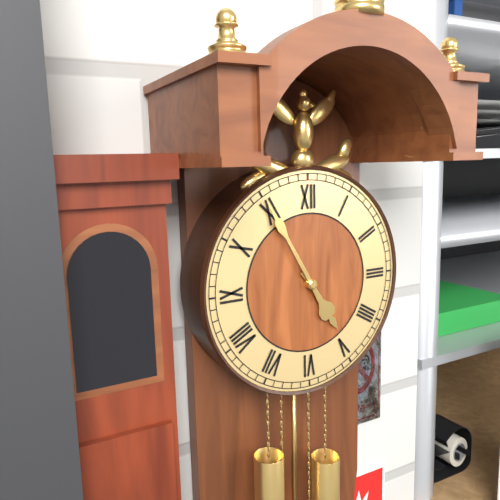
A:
4 h 55 min
